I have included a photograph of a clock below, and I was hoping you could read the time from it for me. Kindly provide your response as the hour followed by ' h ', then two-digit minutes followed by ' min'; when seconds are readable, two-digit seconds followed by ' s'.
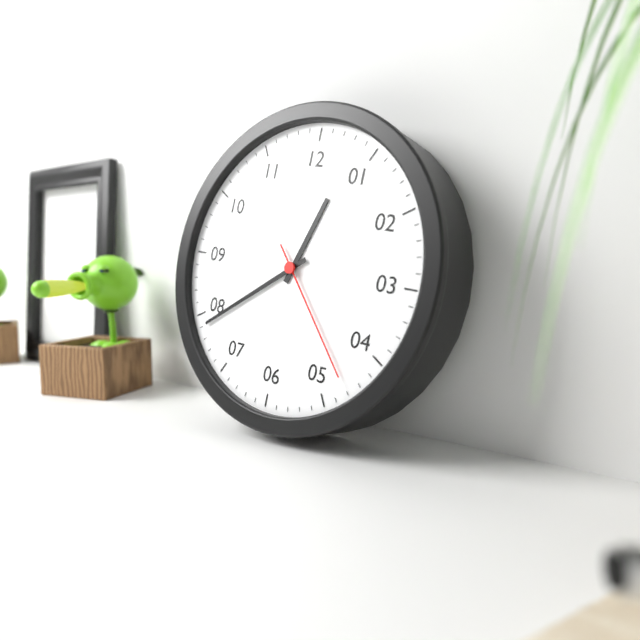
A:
12 h 39 min 23 s
